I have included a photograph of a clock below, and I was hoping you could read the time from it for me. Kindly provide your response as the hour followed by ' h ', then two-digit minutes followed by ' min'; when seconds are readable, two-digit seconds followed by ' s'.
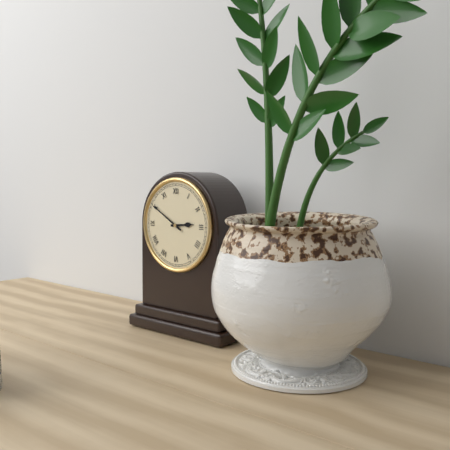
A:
2 h 50 min
